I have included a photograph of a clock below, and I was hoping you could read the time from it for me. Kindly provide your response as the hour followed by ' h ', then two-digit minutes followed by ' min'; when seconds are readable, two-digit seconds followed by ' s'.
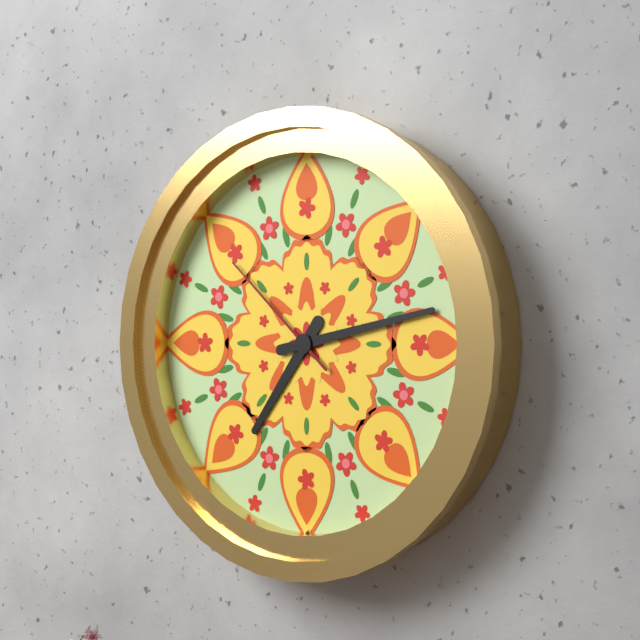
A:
7 h 13 min 52 s
